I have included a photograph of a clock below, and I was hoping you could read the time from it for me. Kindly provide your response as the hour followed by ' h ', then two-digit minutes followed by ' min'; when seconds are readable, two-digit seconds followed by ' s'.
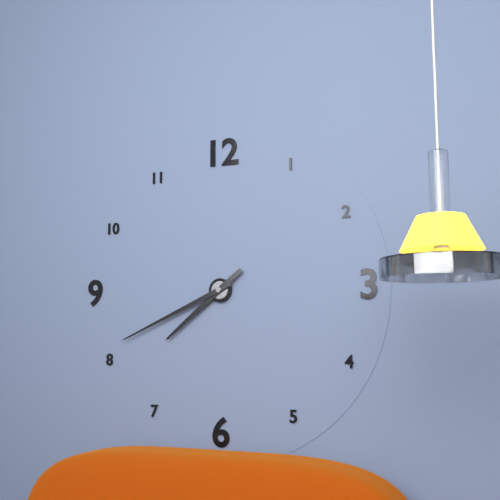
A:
7 h 41 min
